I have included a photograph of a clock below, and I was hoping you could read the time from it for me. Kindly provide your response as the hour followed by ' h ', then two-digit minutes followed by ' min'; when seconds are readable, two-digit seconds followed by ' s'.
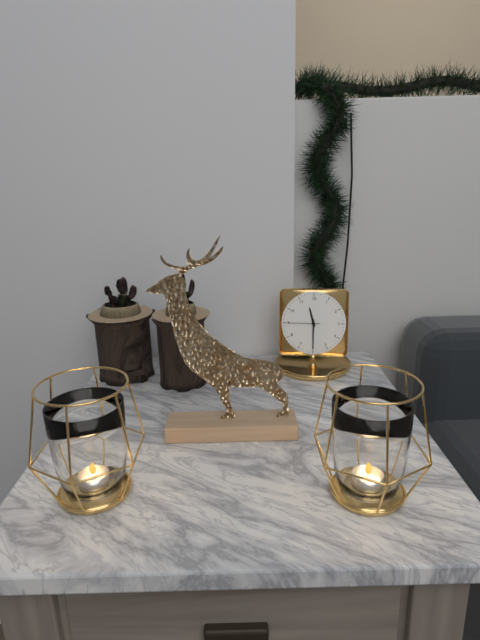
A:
11 h 30 min
